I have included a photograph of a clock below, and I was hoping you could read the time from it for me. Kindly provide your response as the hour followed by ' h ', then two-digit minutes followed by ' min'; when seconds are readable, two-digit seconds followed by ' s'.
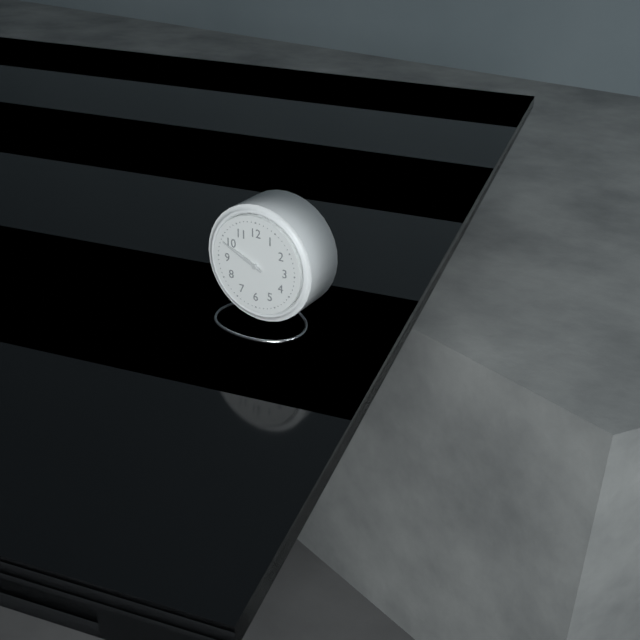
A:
9 h 49 min
